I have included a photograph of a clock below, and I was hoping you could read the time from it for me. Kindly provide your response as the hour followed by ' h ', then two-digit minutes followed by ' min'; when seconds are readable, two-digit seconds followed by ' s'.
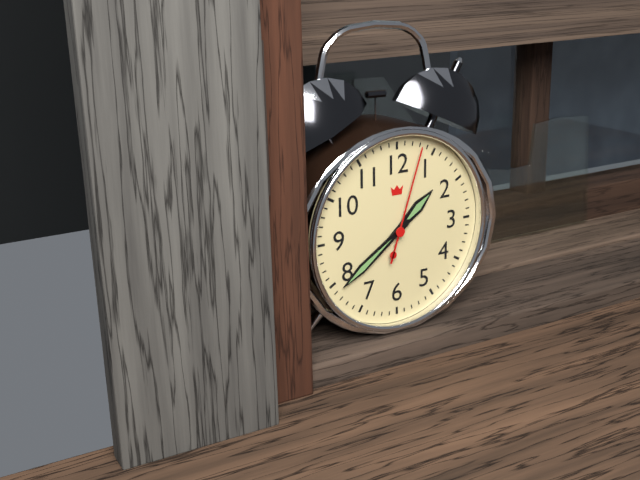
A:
1 h 39 min 03 s
